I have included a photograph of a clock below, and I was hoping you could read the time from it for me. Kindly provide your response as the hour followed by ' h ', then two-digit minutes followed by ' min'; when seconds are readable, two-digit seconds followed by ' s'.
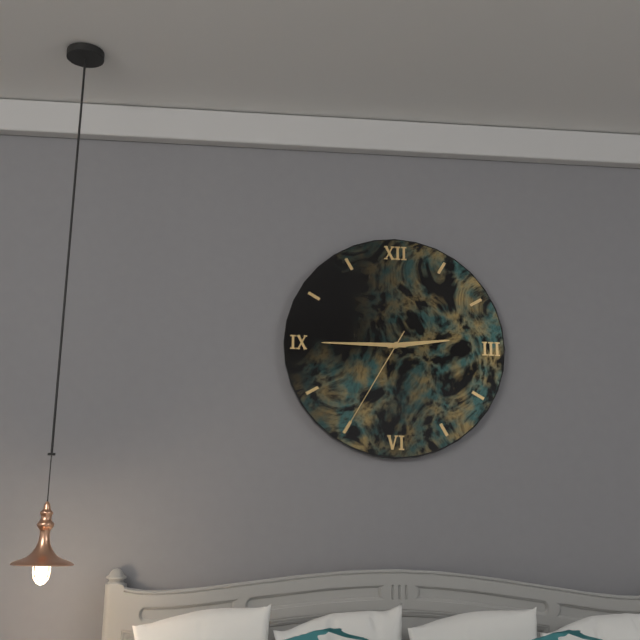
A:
2 h 45 min 35 s
